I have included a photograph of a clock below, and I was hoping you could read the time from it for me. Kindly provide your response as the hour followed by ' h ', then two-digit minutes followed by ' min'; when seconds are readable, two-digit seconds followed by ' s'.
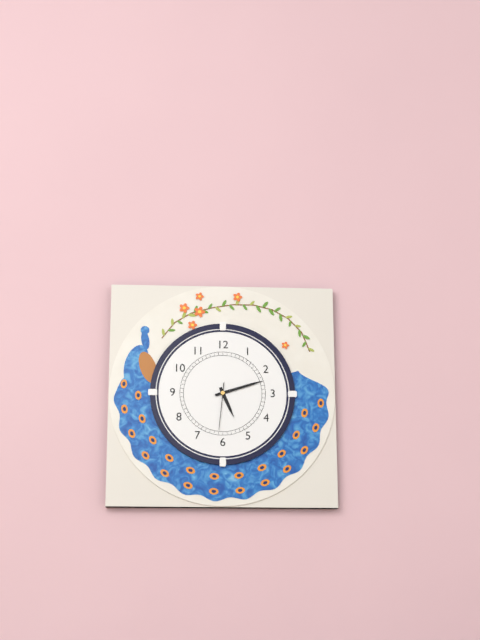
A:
5 h 12 min
